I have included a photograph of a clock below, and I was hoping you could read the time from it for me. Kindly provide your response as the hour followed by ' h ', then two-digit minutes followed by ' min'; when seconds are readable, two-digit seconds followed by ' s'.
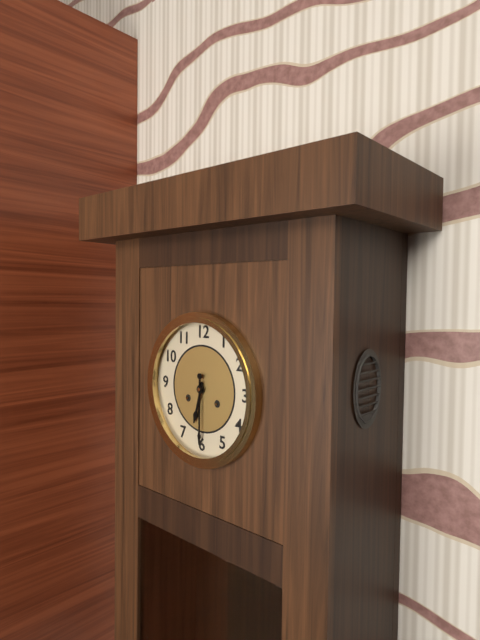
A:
6 h 30 min
